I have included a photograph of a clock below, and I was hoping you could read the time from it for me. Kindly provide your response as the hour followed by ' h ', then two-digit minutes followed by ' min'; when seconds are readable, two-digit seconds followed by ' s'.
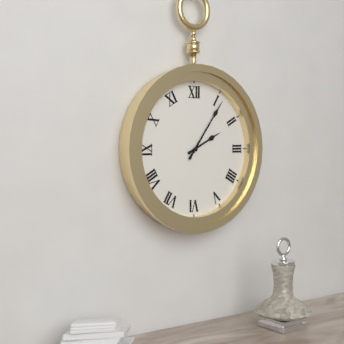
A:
2 h 06 min
